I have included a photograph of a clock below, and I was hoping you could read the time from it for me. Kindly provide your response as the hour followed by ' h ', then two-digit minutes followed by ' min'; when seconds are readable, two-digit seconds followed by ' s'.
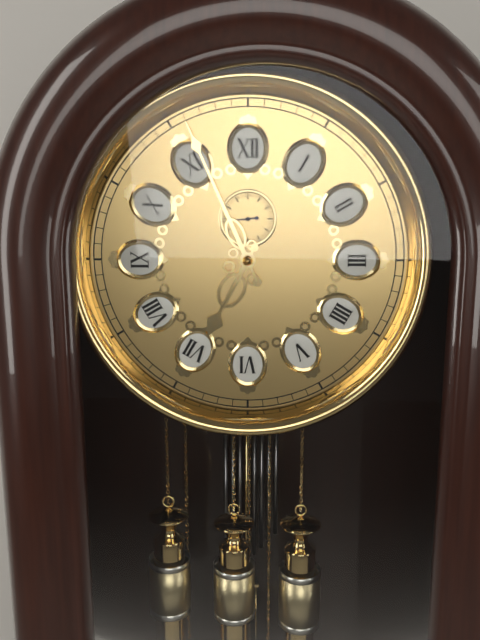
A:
6 h 56 min
